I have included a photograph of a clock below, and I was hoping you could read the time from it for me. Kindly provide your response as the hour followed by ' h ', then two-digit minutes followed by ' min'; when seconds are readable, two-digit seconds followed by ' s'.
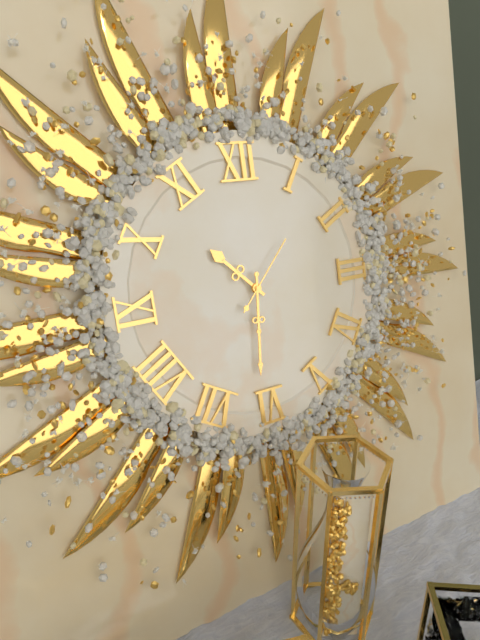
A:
10 h 31 min 07 s
